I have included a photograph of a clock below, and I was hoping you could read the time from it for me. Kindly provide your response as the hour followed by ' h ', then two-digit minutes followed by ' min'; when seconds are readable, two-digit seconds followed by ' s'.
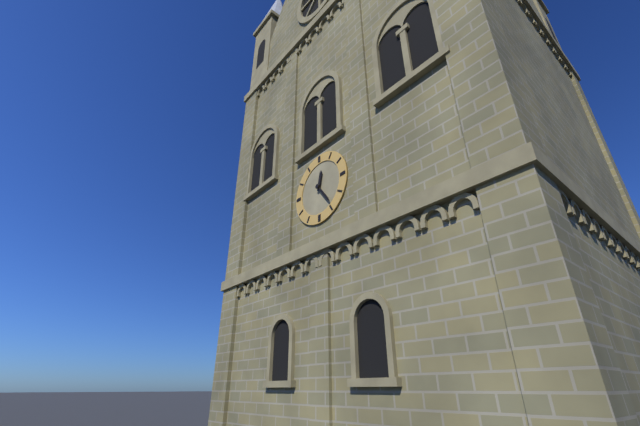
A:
12 h 24 min
